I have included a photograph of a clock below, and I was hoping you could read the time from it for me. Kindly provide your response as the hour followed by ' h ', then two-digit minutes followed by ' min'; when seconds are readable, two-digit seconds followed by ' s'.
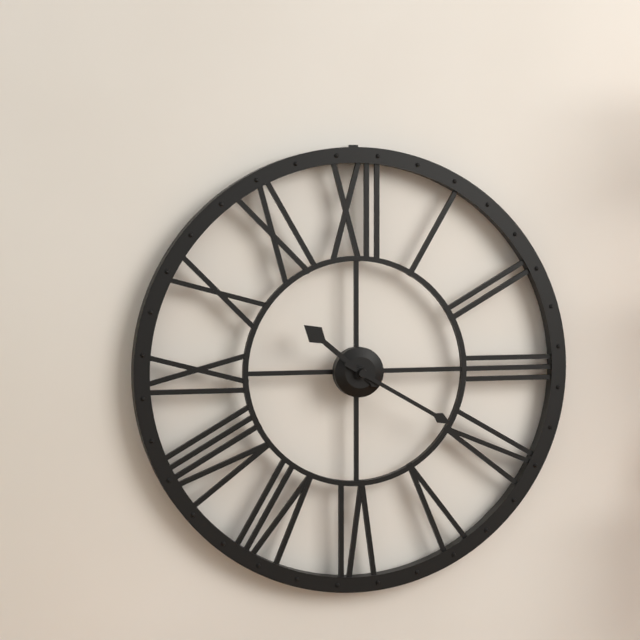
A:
10 h 20 min
